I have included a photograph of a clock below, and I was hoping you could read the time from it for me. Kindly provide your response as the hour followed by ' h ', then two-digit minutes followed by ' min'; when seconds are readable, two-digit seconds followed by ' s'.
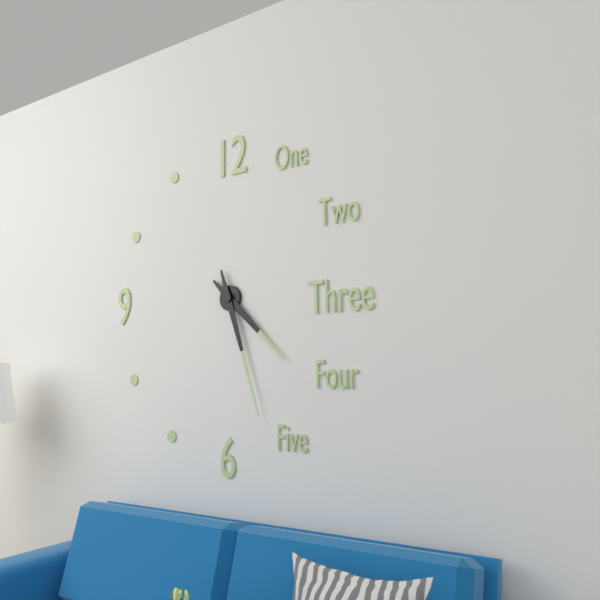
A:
4 h 27 min
